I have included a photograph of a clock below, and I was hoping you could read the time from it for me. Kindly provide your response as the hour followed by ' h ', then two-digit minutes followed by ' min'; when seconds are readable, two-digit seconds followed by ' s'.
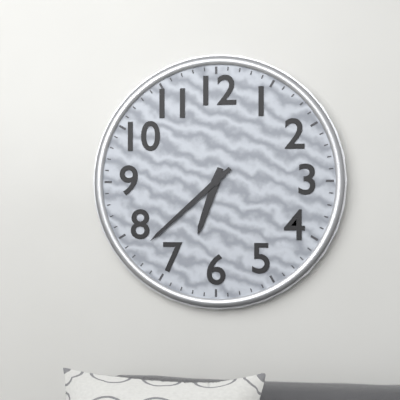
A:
6 h 38 min
